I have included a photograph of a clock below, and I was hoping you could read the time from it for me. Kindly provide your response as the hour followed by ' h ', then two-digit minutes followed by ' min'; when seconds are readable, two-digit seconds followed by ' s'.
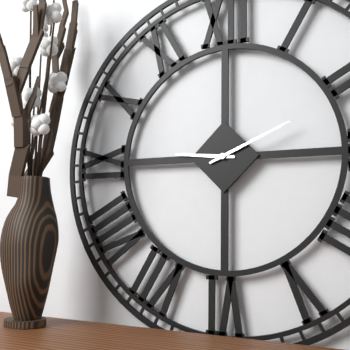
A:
9 h 11 min
